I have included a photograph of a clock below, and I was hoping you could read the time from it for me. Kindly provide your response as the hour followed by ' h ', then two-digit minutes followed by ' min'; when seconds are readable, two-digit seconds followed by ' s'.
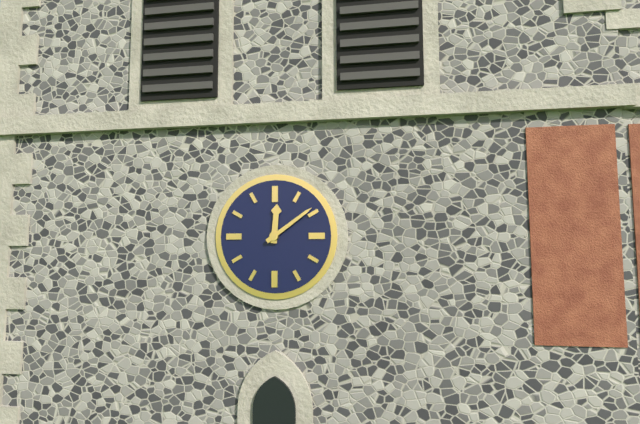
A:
12 h 09 min
